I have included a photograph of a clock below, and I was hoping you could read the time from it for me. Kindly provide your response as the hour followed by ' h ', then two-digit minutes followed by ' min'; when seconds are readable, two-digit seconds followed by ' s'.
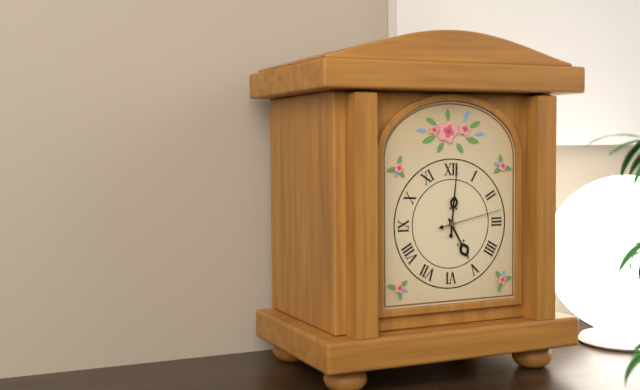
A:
5 h 01 min 13 s
